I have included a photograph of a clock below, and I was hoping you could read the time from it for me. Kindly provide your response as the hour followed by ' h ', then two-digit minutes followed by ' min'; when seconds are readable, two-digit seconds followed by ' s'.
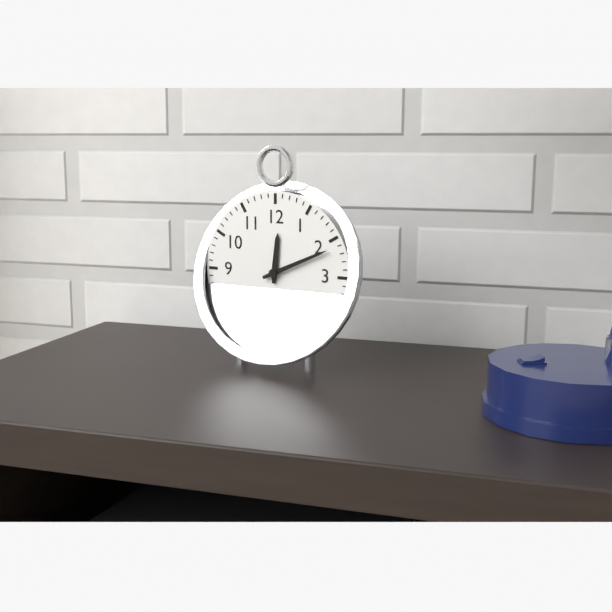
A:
12 h 11 min
